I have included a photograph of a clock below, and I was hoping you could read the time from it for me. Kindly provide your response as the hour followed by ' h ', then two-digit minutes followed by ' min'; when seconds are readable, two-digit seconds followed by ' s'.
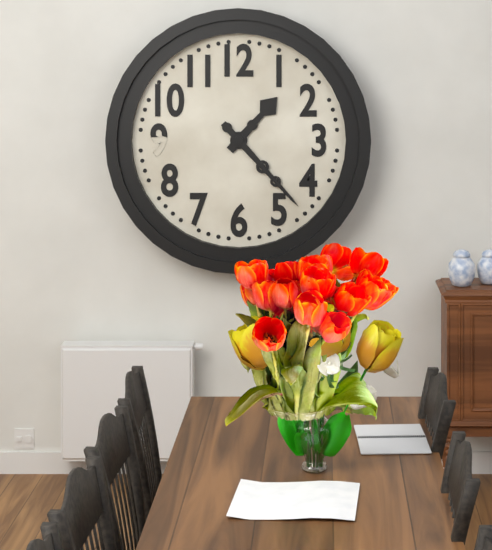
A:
1 h 23 min
